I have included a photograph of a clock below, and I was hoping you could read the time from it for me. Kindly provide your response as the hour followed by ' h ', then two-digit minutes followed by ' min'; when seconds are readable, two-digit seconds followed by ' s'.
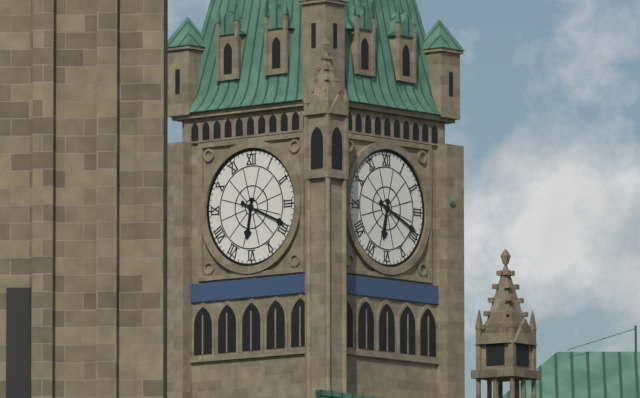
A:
6 h 19 min
